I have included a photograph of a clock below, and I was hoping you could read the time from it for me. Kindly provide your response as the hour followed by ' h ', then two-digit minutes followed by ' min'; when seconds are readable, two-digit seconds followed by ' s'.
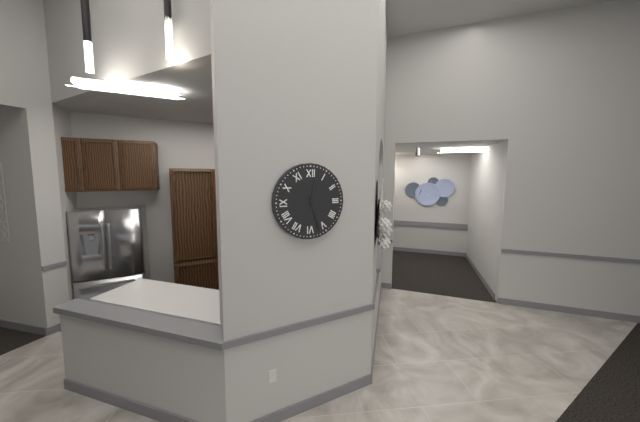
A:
12 h 27 min
